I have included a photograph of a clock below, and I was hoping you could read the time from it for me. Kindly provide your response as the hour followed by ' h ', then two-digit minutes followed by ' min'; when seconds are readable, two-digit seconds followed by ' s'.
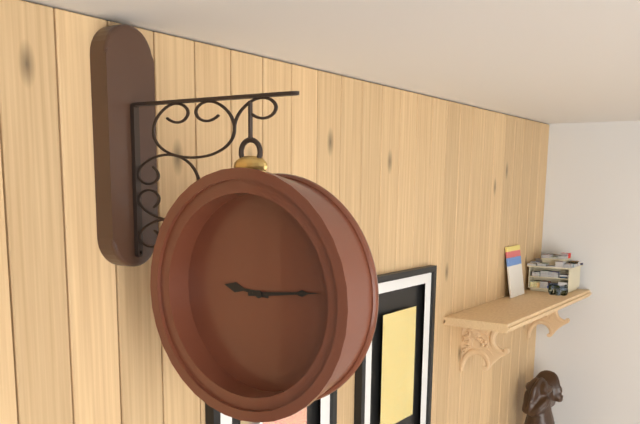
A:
9 h 14 min
